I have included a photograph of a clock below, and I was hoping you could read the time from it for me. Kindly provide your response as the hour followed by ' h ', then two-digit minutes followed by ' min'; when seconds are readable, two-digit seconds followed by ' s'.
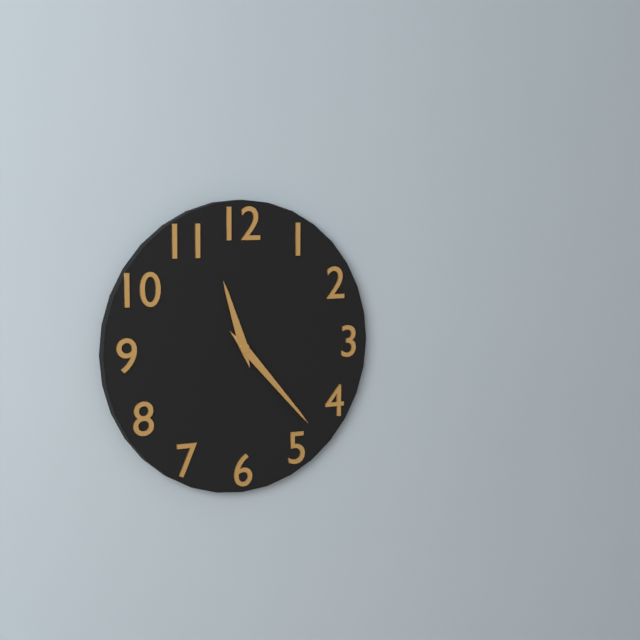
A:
11 h 23 min
